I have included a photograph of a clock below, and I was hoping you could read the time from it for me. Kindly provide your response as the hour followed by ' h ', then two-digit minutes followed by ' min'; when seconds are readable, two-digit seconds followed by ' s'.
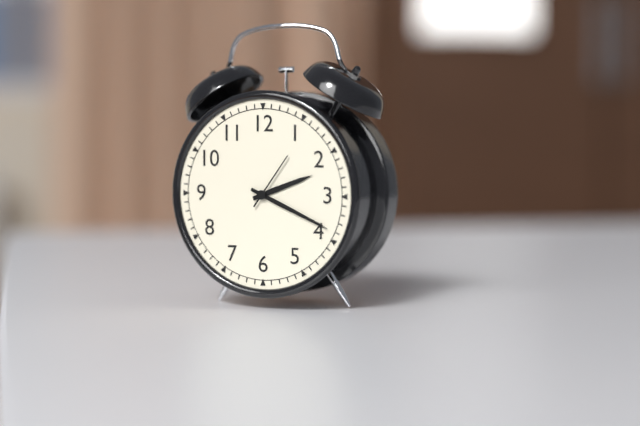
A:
2 h 19 min 06 s
